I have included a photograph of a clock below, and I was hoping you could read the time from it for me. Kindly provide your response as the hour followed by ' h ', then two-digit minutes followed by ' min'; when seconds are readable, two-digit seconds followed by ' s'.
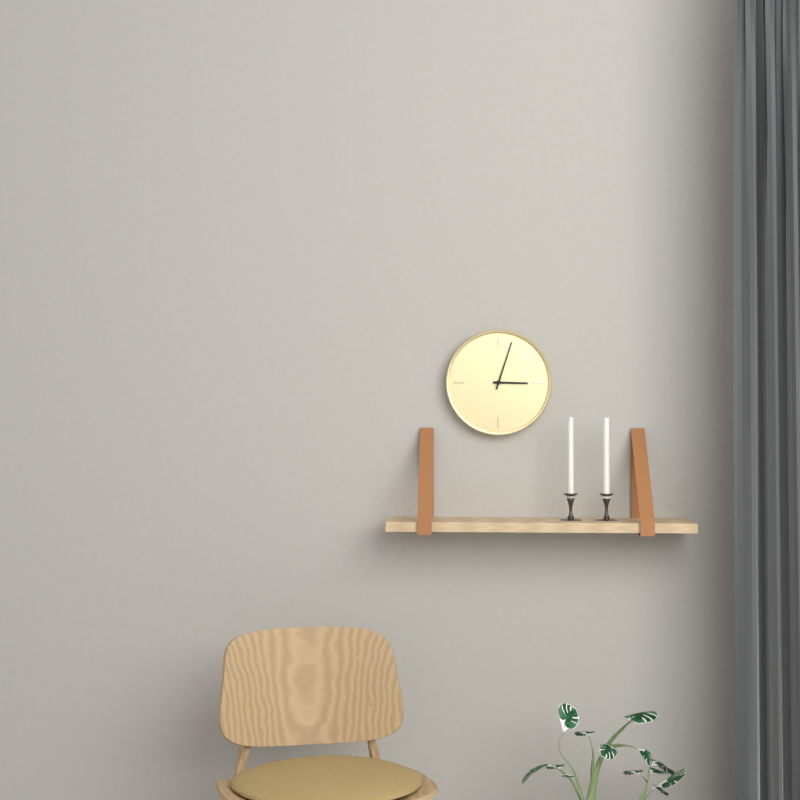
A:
3 h 03 min
